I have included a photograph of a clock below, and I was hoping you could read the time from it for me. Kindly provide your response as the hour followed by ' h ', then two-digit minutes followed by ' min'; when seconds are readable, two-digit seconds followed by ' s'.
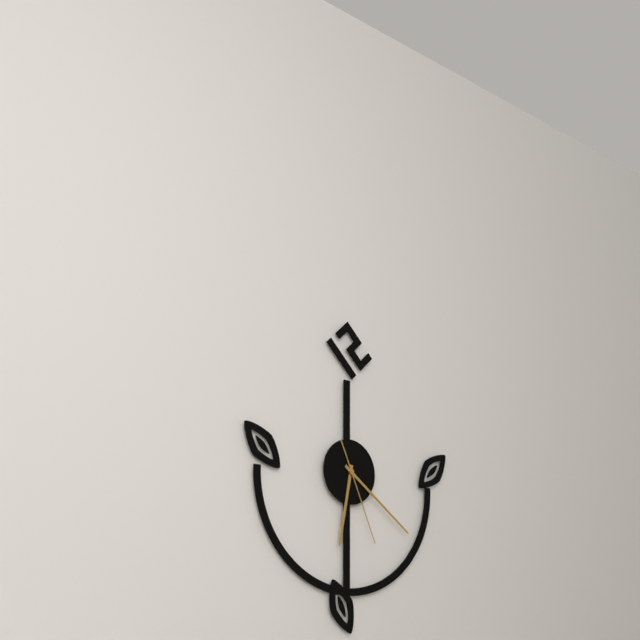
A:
6 h 21 min 26 s
